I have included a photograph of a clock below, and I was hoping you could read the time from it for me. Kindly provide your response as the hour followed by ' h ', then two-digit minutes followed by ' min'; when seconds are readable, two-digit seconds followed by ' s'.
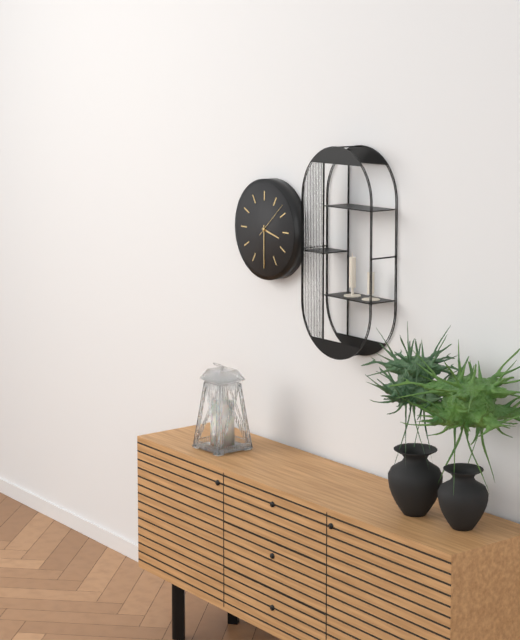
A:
3 h 30 min
